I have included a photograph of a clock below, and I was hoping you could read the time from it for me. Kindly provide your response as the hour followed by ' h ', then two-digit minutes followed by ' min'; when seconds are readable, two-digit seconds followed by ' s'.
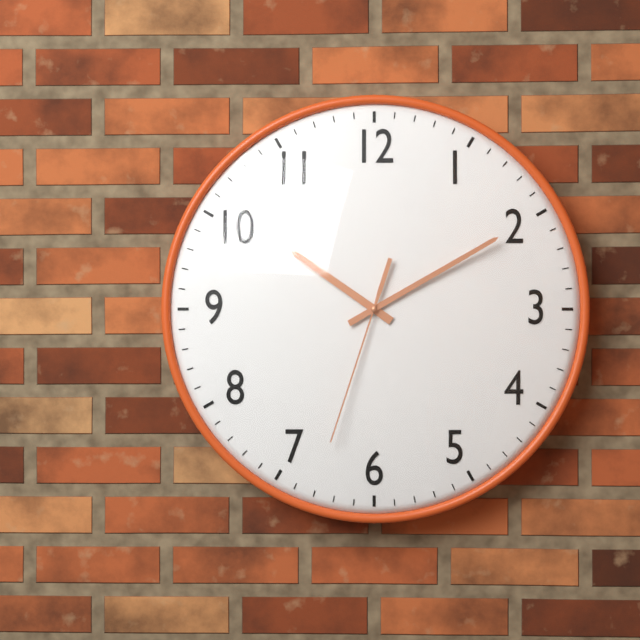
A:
10 h 10 min 33 s
